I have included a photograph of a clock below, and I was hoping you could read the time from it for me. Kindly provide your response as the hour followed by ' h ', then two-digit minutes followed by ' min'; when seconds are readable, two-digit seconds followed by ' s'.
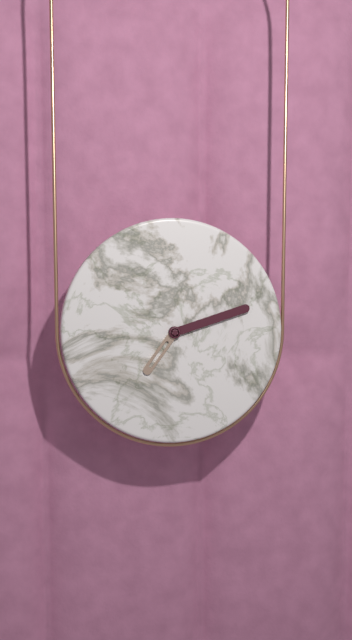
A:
7 h 12 min
